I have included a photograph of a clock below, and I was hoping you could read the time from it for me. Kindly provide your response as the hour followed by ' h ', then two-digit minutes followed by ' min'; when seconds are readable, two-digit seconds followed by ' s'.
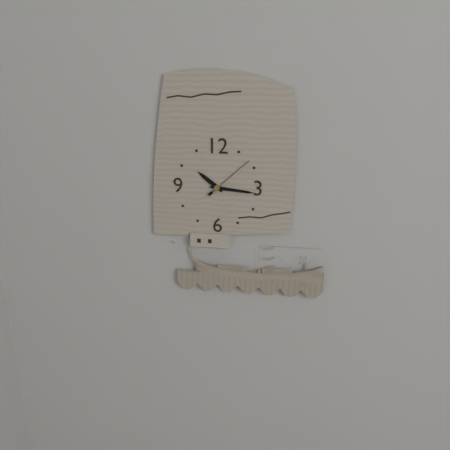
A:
10 h 16 min 08 s
